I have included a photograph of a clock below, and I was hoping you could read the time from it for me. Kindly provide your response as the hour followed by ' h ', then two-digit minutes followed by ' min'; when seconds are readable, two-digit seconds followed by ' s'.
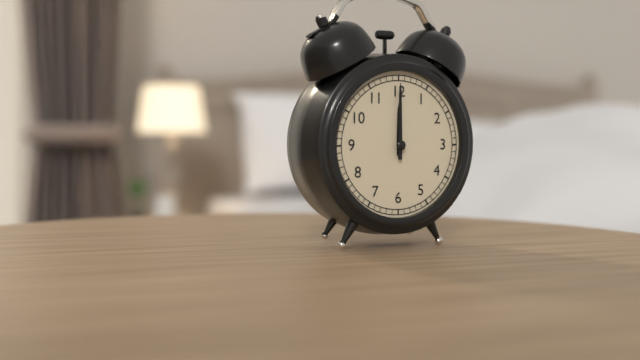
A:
12 h 00 min
